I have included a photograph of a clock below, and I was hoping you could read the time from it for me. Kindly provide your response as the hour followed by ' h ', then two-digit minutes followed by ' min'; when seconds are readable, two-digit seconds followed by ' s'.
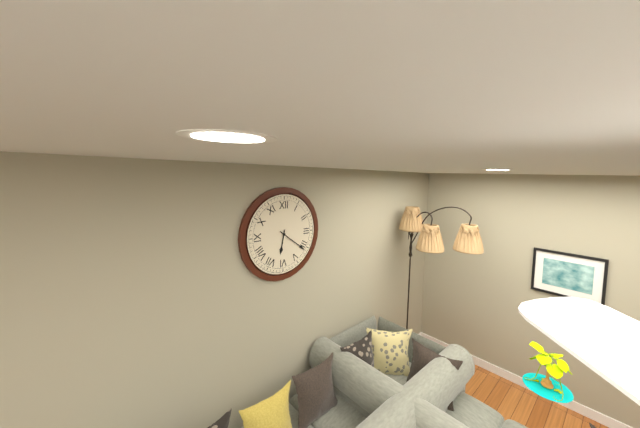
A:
6 h 21 min
